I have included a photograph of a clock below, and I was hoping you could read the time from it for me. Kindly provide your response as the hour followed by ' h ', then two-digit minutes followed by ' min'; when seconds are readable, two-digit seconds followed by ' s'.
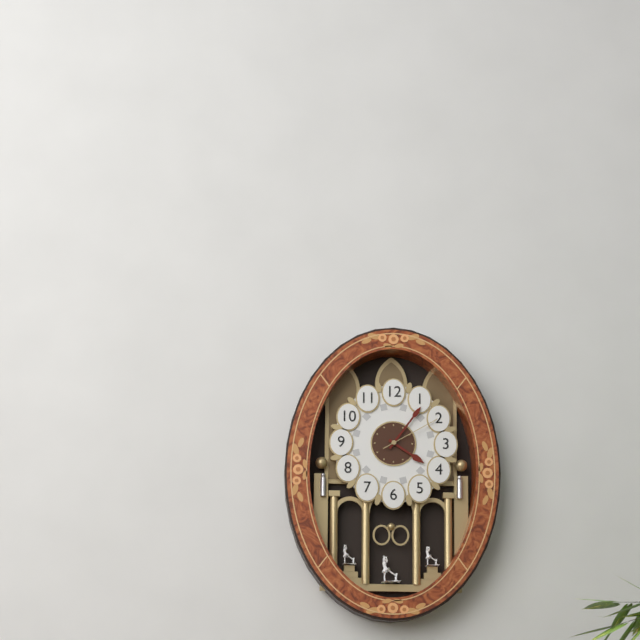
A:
4 h 06 min 10 s
